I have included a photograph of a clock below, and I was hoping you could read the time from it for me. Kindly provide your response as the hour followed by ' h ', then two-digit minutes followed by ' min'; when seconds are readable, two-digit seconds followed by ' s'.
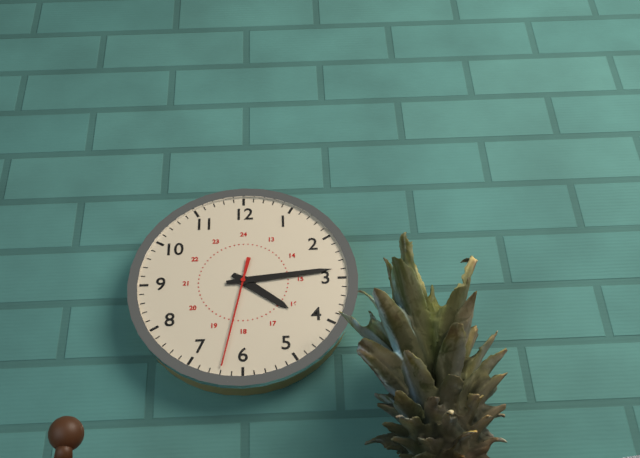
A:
4 h 14 min 32 s
